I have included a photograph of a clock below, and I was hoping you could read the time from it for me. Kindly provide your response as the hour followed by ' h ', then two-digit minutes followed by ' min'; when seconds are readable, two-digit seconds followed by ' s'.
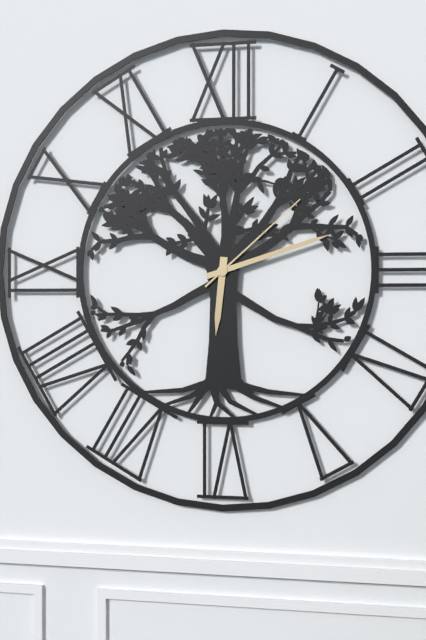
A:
6 h 12 min 08 s
